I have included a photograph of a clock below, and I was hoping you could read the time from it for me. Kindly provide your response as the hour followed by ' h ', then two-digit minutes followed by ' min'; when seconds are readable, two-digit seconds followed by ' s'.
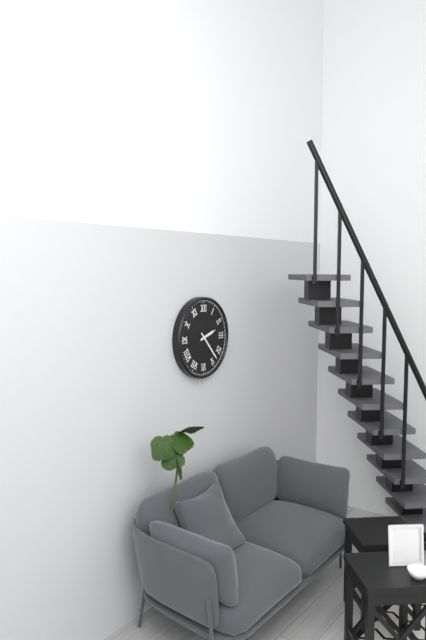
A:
2 h 23 min
